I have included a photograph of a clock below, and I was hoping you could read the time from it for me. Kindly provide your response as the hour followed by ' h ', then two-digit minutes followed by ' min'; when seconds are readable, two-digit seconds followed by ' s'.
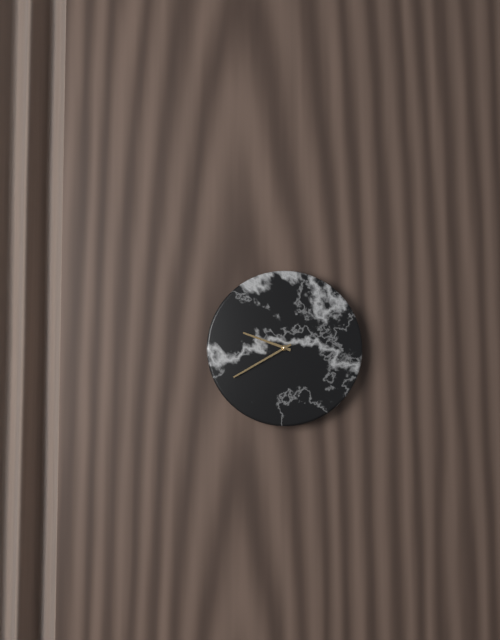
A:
9 h 40 min
